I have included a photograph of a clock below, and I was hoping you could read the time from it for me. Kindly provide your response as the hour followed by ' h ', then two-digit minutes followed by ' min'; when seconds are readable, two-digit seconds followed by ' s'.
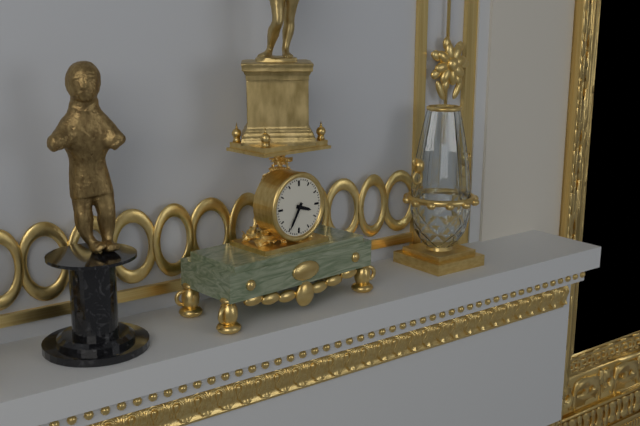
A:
3 h 35 min
